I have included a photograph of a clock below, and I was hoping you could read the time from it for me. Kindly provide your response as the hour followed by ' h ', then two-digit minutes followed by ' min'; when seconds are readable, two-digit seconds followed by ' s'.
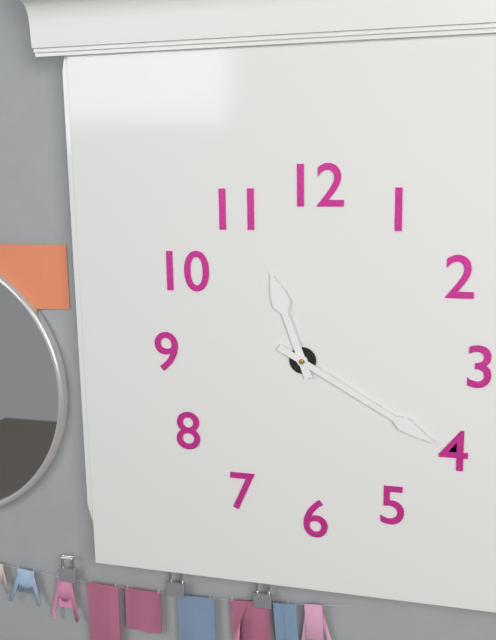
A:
11 h 20 min
